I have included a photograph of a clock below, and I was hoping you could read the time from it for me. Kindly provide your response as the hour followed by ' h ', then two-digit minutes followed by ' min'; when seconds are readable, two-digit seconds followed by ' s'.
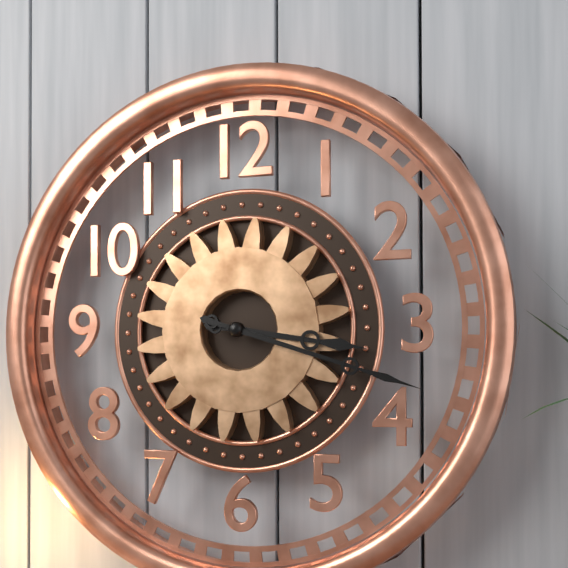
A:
3 h 18 min
